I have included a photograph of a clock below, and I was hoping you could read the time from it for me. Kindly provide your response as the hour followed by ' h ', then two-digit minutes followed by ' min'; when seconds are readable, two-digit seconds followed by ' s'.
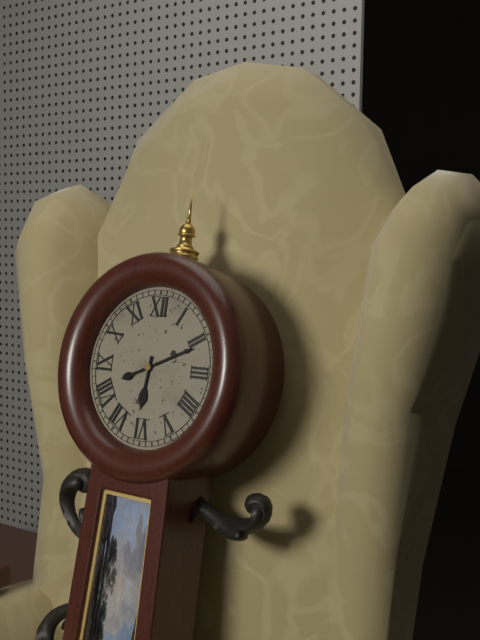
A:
6 h 11 min
